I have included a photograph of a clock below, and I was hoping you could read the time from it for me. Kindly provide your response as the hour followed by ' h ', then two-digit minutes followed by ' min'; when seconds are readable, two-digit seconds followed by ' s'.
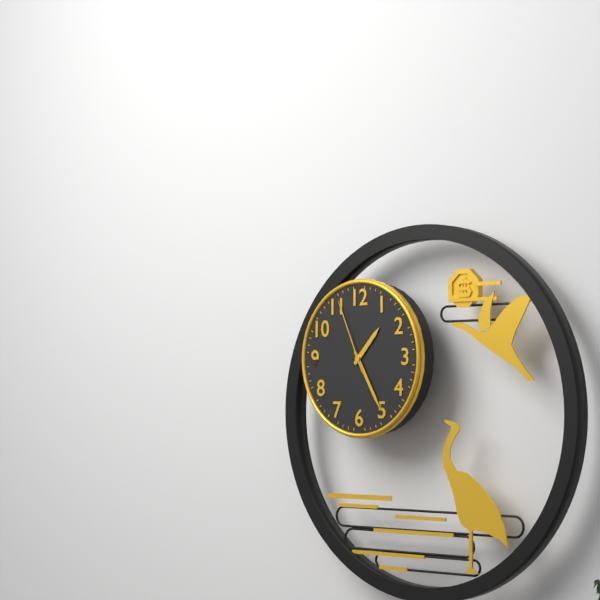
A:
1 h 25 min 56 s
